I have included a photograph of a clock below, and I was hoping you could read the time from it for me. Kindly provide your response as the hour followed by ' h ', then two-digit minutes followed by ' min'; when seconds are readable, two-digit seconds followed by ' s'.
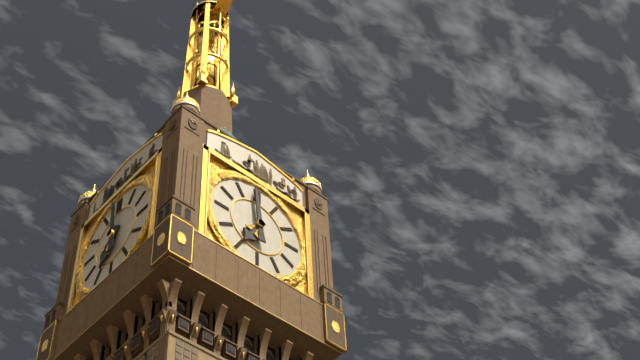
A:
6 h 59 min
